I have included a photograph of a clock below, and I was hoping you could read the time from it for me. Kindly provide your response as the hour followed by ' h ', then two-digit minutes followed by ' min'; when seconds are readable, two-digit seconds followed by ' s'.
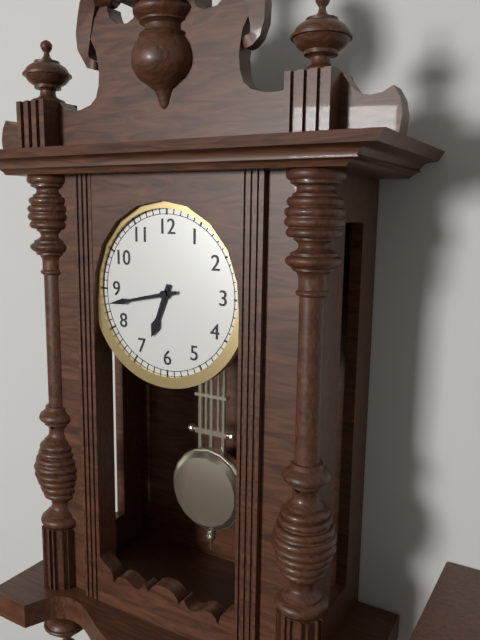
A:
6 h 43 min
